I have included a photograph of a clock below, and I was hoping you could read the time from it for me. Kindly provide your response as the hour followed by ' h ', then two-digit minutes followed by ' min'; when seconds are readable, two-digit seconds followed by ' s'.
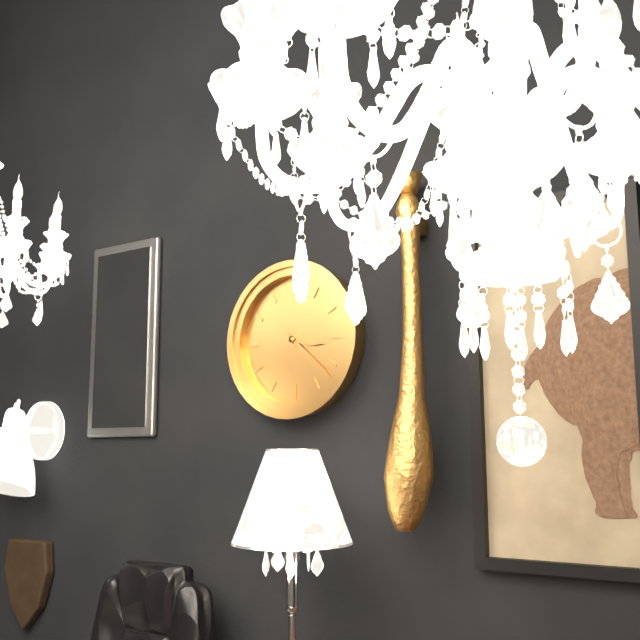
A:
3 h 22 min
